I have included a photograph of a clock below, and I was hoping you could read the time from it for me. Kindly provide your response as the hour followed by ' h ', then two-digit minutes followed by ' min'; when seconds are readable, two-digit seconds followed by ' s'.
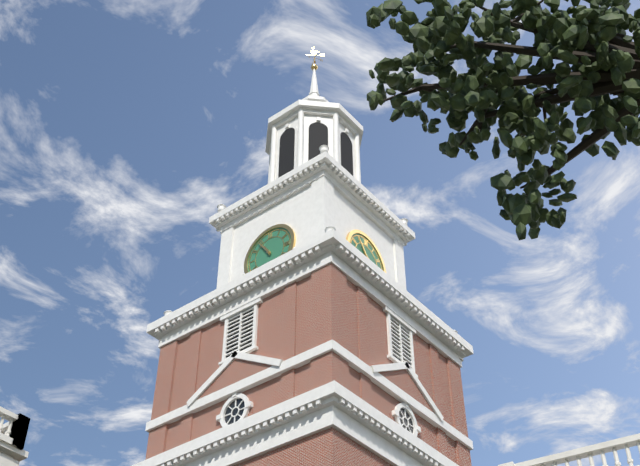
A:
10 h 54 min
